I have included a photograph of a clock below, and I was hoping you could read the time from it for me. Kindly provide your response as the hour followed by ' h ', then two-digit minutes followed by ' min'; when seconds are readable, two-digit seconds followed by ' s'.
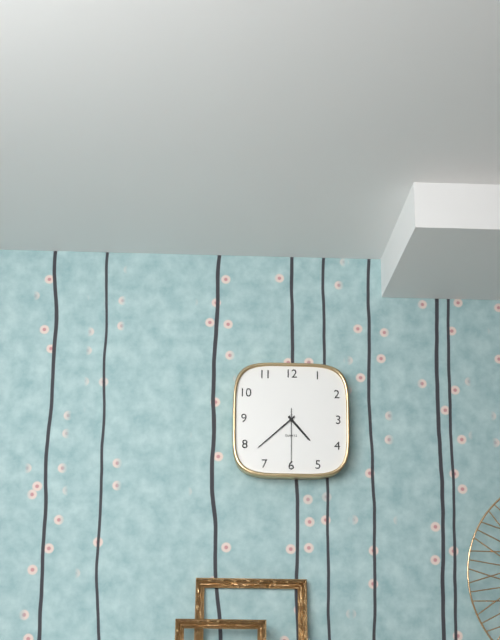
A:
4 h 38 min
